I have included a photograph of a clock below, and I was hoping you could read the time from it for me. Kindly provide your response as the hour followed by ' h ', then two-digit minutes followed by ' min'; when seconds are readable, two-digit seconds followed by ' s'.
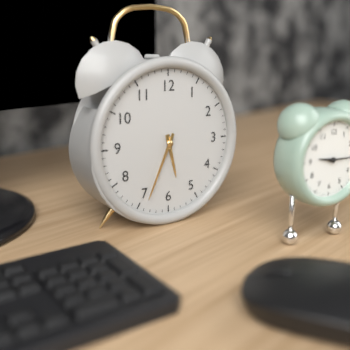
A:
5 h 34 min
